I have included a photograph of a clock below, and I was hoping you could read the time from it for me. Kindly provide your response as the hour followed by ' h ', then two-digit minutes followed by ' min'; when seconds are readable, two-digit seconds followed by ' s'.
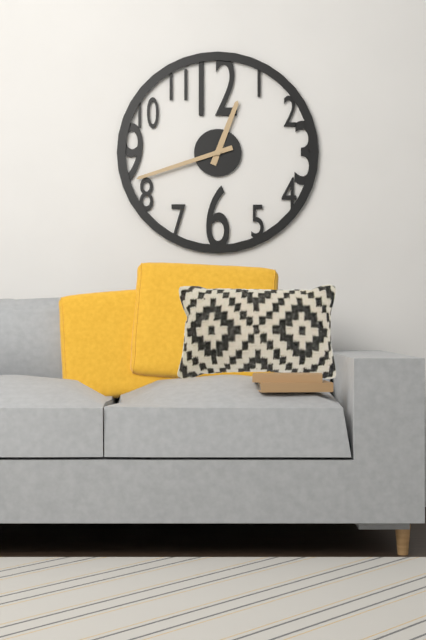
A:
12 h 42 min
